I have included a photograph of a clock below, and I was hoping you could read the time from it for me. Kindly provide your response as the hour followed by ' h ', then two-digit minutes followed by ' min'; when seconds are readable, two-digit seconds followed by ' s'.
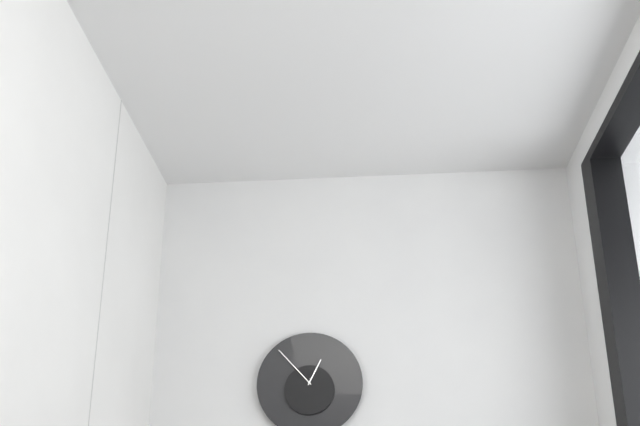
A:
12 h 53 min
